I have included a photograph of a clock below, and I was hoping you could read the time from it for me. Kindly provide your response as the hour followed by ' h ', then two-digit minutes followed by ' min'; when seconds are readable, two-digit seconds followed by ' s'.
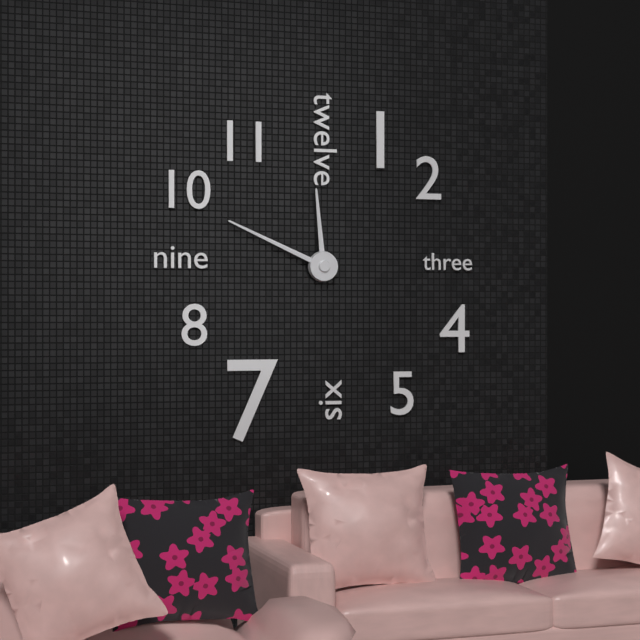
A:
11 h 49 min
